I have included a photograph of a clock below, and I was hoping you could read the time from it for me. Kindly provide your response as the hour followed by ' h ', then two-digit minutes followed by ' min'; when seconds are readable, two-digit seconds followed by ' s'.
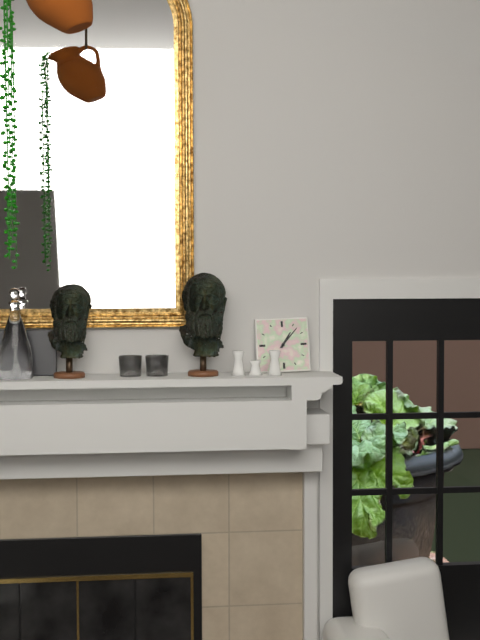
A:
1 h 07 min
